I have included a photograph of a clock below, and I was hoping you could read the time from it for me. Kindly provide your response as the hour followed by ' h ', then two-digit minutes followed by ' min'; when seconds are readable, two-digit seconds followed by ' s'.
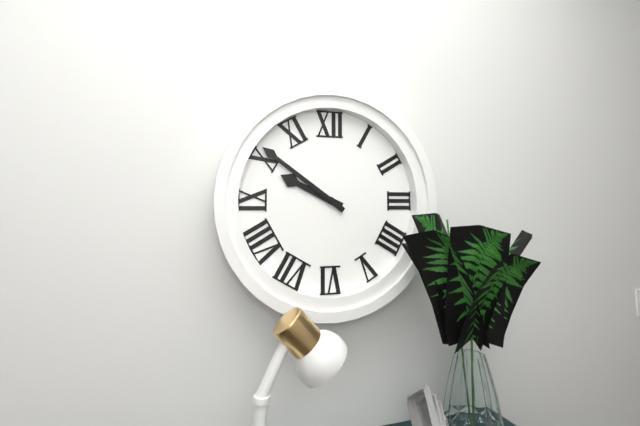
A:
9 h 51 min
